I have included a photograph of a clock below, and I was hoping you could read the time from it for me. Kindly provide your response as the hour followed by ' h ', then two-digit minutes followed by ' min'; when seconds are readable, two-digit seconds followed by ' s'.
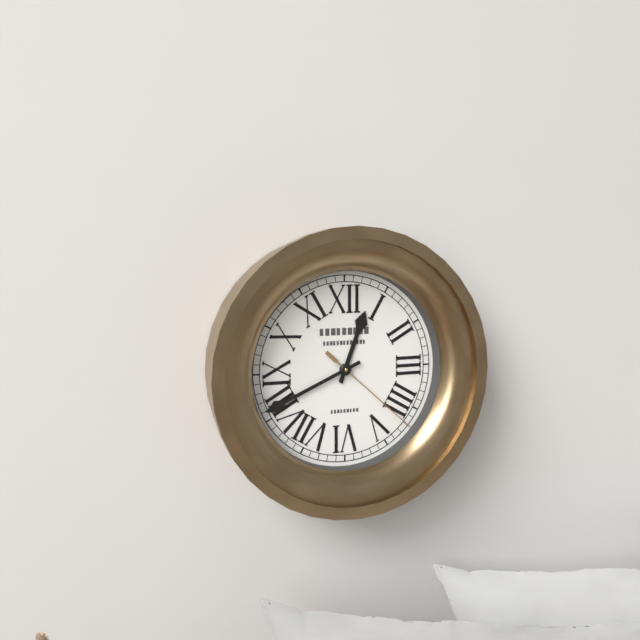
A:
12 h 41 min 22 s
